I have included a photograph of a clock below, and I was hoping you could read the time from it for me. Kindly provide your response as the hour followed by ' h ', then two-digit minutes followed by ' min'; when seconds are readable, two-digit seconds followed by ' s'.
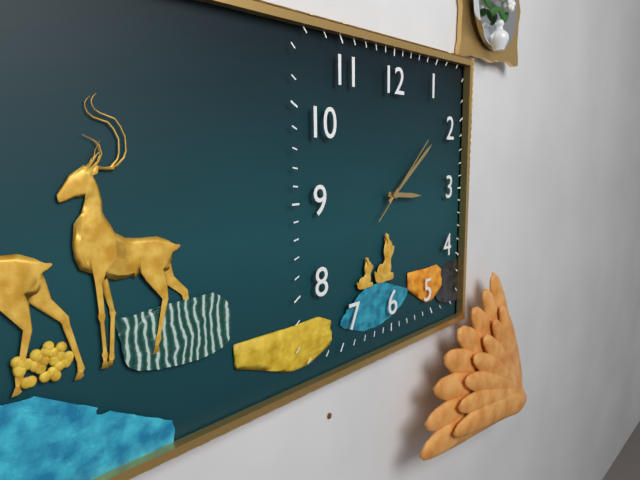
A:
3 h 09 min 08 s
